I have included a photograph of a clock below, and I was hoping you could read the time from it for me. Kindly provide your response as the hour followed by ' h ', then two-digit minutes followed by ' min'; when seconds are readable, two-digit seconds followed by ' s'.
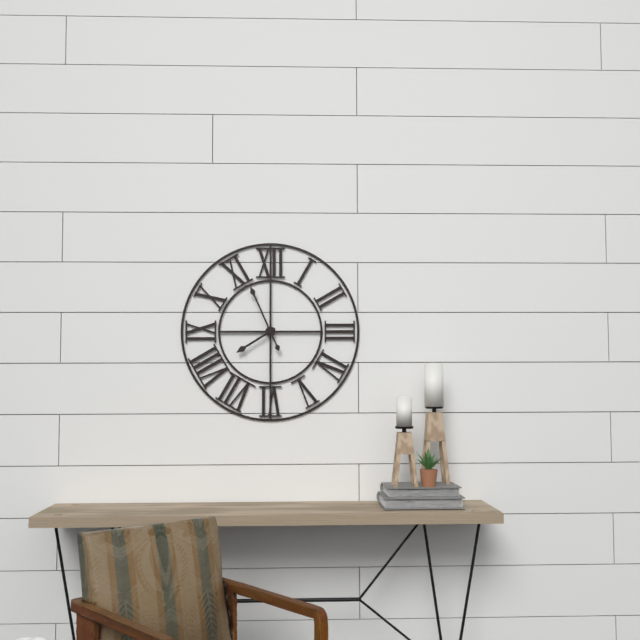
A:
7 h 56 min
